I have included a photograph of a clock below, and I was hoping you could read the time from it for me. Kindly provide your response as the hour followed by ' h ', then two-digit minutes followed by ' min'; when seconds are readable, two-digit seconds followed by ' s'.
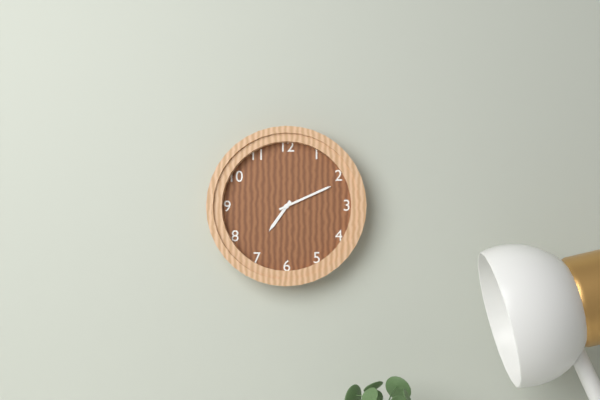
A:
7 h 11 min
